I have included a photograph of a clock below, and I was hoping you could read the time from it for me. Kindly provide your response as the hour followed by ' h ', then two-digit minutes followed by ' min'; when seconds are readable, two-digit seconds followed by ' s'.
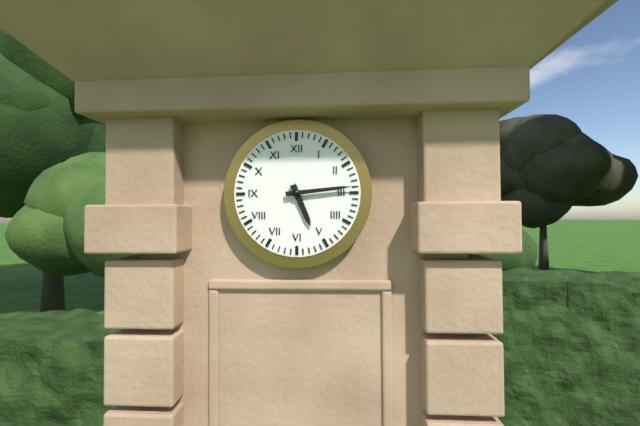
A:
5 h 14 min
